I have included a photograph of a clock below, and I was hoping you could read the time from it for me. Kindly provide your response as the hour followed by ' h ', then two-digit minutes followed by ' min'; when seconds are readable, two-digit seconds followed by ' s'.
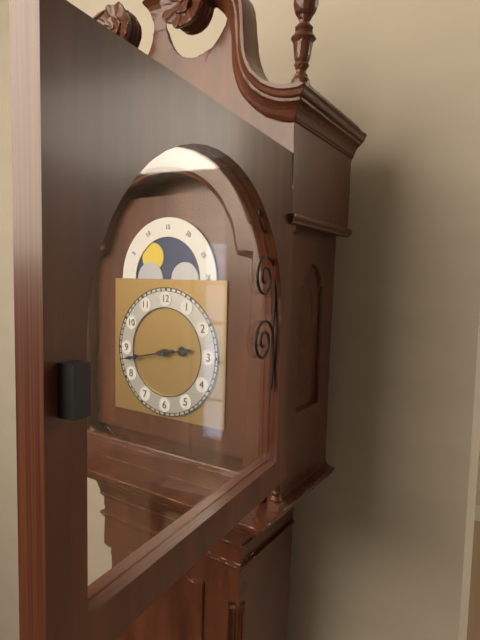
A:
2 h 43 min
